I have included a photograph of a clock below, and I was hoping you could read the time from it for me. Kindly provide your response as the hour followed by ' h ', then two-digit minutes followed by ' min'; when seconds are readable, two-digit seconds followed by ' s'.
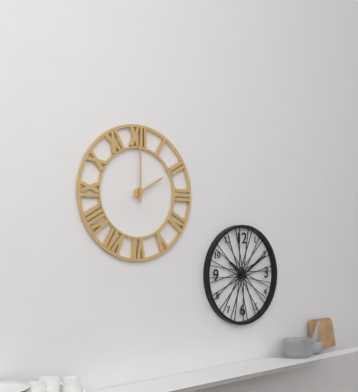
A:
2 h 00 min
